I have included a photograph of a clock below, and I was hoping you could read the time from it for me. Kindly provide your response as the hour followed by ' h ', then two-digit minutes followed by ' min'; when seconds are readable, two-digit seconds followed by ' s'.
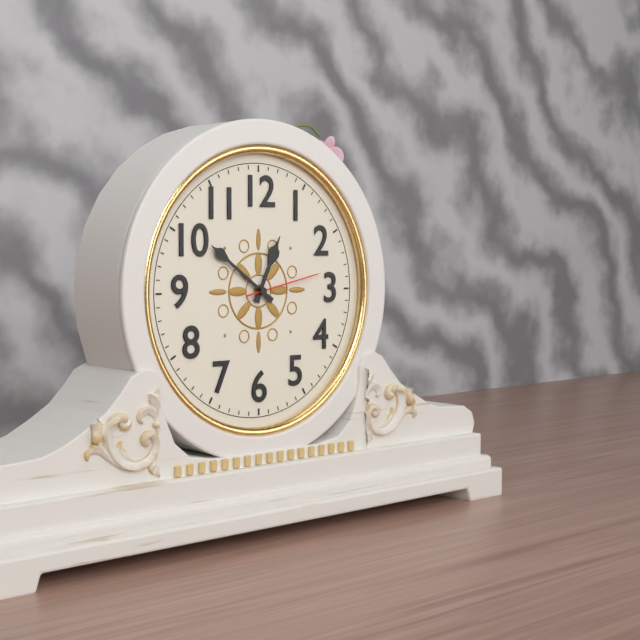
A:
12 h 51 min 13 s
